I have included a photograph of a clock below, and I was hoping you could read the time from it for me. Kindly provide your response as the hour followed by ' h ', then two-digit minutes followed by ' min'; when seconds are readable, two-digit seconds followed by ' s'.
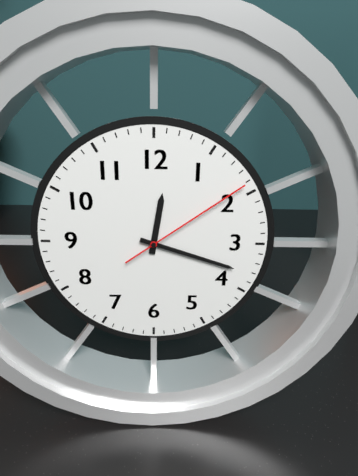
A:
12 h 18 min 09 s
